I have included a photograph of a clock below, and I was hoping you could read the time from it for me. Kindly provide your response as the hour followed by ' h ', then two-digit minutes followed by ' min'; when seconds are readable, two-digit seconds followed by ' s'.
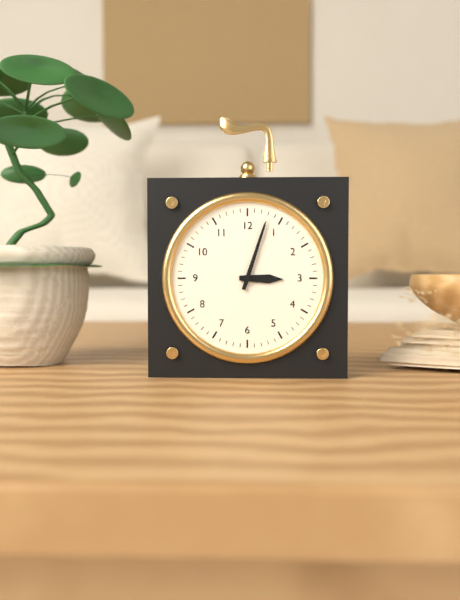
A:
3 h 03 min
